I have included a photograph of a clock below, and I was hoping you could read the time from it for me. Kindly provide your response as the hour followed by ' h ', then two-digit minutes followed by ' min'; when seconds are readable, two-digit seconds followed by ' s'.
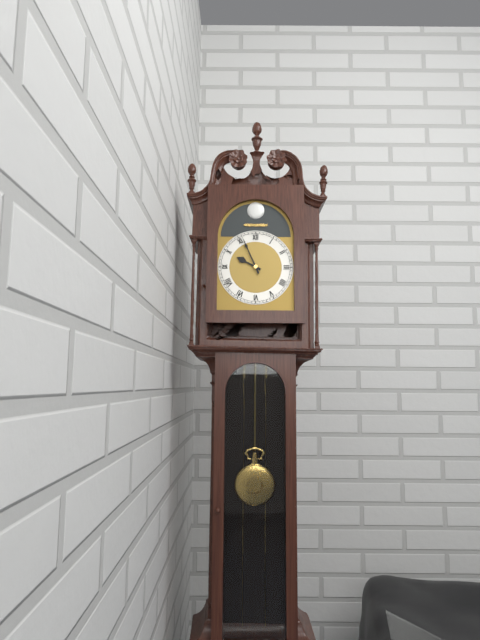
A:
9 h 56 min
